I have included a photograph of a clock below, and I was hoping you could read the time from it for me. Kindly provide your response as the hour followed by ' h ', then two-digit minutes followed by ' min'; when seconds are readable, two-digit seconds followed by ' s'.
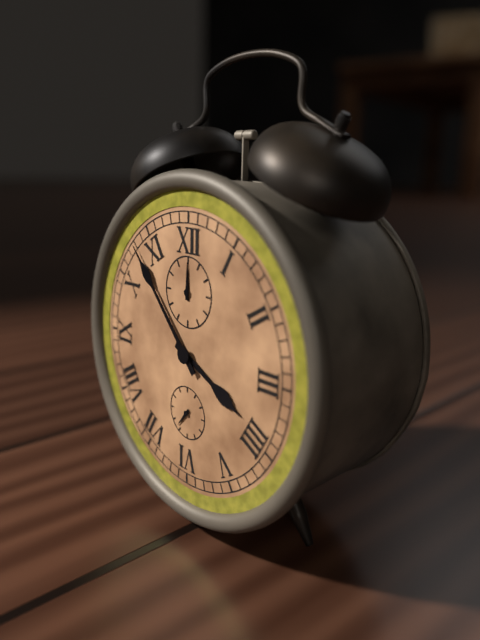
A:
3 h 53 min
